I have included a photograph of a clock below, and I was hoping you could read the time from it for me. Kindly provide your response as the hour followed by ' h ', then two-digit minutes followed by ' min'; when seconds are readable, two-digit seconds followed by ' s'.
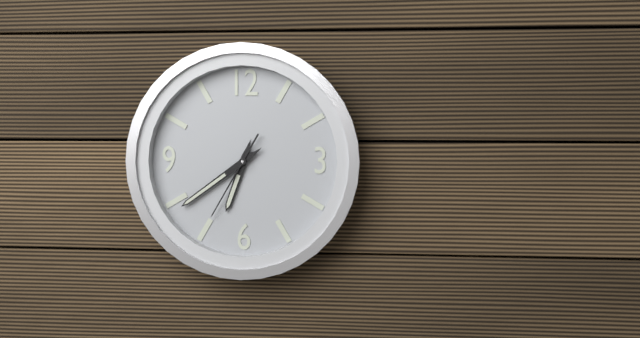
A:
6 h 39 min 35 s
